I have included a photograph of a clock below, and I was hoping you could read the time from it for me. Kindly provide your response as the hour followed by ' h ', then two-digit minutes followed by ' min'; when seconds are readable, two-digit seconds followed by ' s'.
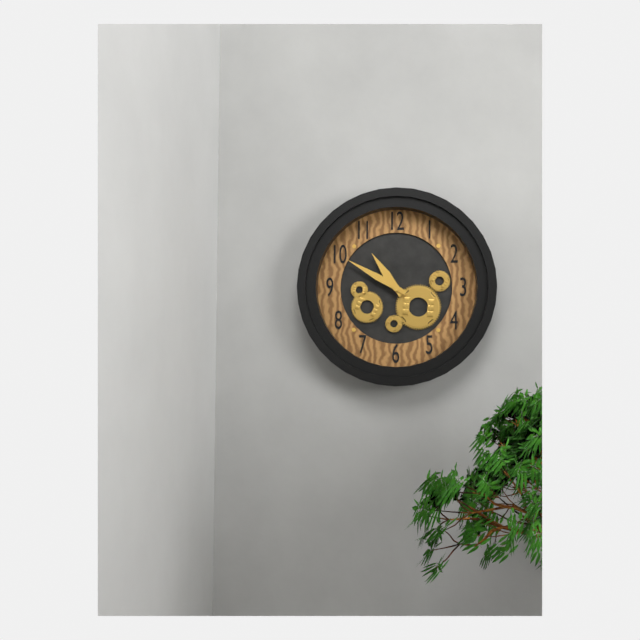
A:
10 h 50 min
